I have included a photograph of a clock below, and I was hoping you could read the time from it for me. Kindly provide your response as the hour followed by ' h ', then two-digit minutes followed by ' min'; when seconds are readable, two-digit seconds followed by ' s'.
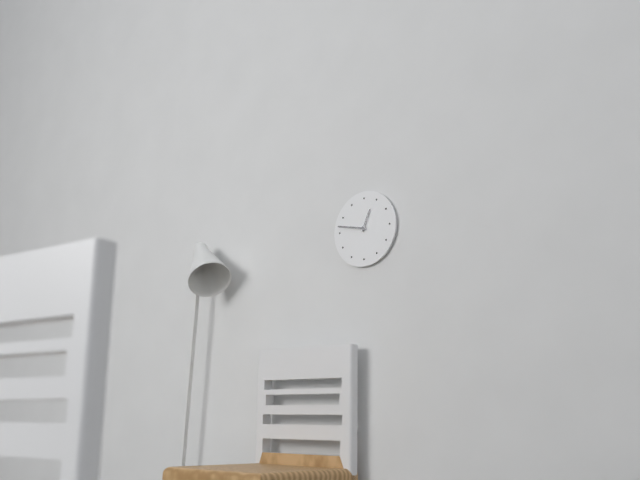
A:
12 h 47 min
